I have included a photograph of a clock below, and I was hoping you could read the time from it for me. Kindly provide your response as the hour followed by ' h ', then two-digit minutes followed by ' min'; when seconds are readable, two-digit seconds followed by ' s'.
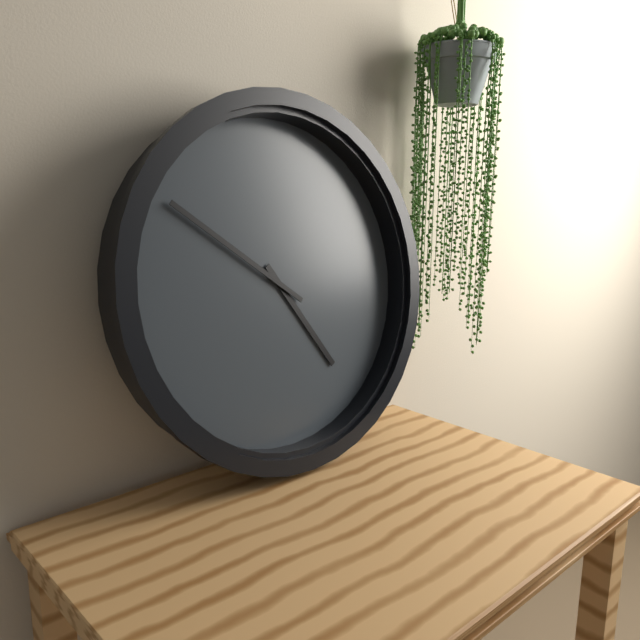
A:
4 h 51 min
